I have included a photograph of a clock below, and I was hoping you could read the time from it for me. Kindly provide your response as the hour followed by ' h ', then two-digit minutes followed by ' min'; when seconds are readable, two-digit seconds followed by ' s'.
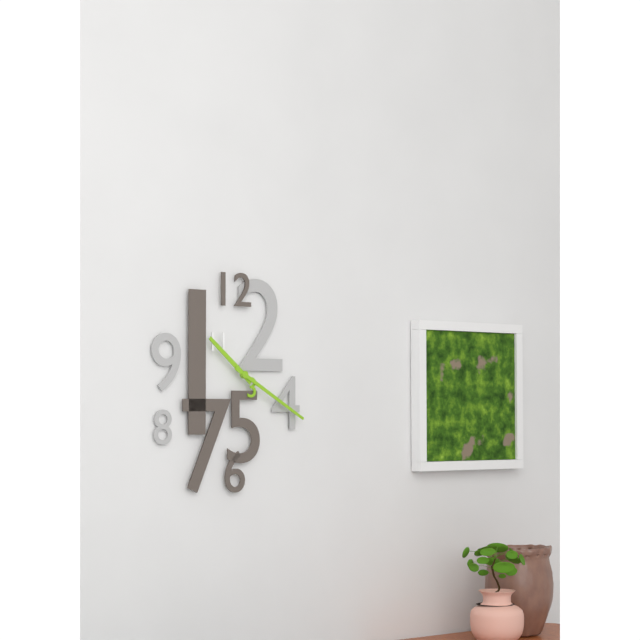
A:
10 h 20 min
